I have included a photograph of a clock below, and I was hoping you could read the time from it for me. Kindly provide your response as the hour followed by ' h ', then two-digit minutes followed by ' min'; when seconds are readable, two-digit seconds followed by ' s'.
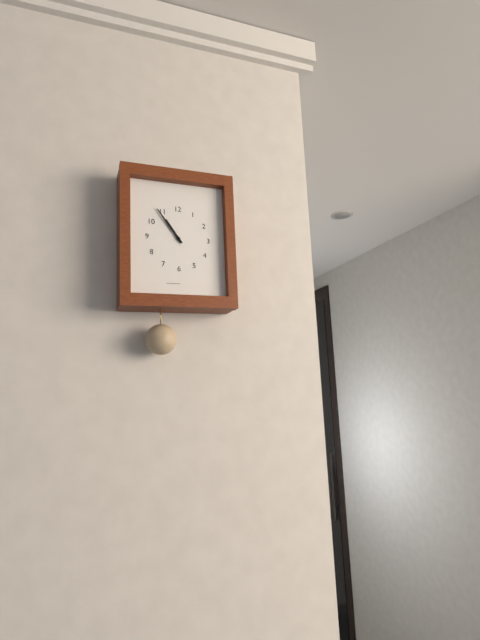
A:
10 h 54 min
